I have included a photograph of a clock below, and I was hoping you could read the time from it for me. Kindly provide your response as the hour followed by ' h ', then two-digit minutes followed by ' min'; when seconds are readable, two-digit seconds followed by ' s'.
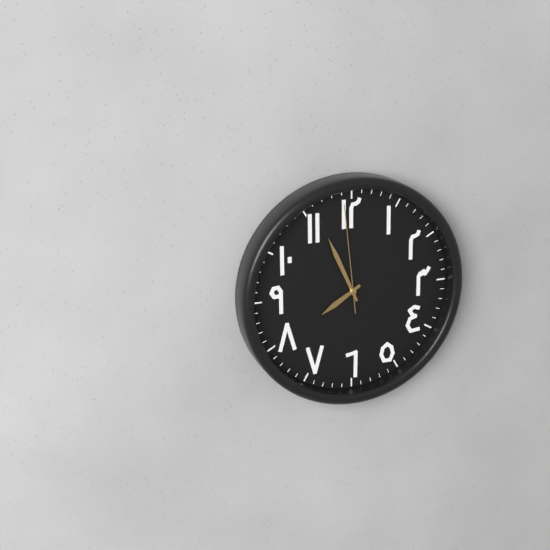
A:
7 h 56 min 59 s
